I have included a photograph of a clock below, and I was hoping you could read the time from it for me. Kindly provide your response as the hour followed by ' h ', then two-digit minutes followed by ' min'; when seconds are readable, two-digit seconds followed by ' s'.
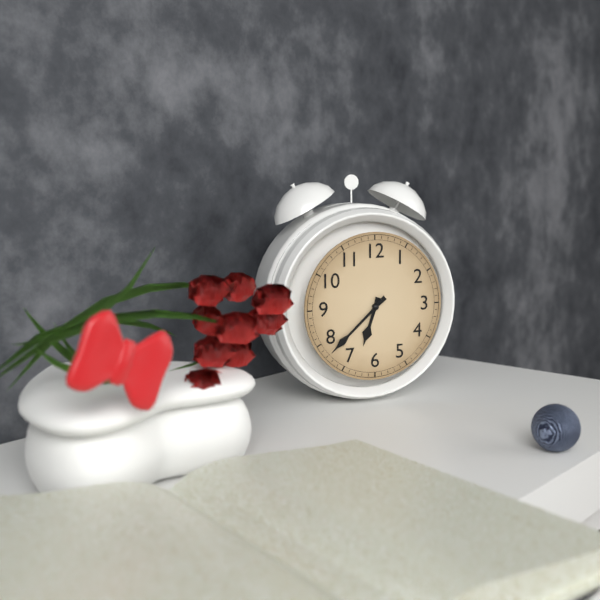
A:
6 h 38 min
